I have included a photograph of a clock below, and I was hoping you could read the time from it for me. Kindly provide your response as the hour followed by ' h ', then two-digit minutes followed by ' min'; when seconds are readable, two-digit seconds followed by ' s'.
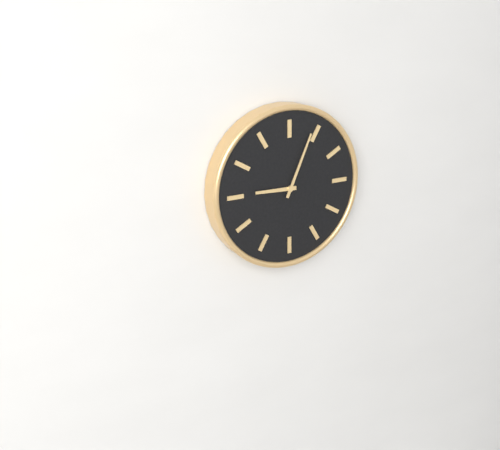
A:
9 h 04 min
